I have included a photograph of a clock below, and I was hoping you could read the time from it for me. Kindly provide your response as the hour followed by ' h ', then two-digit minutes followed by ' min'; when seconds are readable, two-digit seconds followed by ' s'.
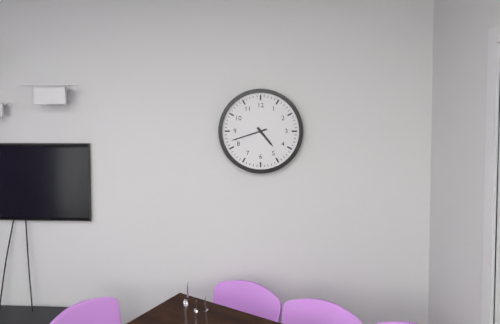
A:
4 h 42 min
